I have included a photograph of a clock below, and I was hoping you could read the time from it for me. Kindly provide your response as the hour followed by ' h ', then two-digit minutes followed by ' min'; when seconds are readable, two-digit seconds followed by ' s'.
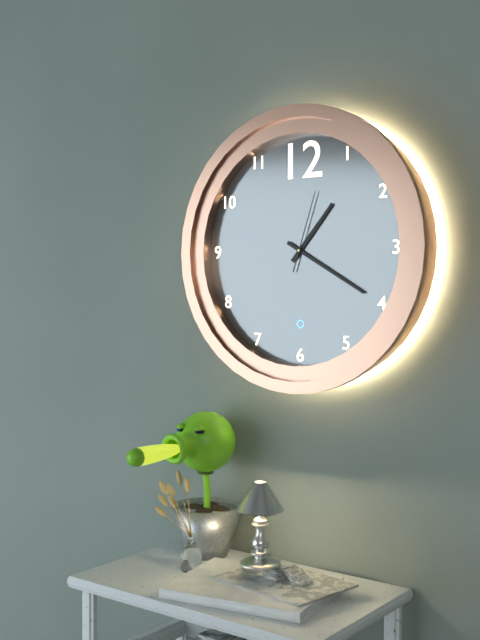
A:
1 h 20 min 03 s
